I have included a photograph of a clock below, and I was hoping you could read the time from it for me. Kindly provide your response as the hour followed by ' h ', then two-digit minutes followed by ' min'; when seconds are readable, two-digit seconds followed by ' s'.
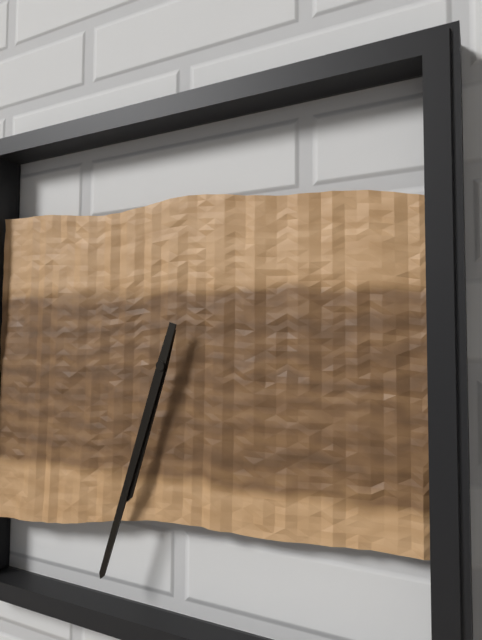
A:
6 h 33 min
